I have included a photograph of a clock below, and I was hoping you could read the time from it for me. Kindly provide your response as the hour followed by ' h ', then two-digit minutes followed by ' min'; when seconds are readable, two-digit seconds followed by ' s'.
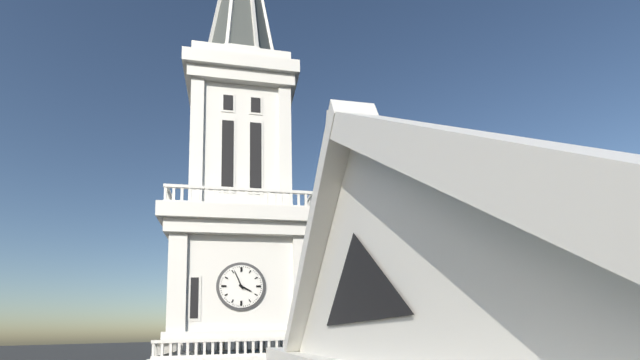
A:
3 h 56 min
